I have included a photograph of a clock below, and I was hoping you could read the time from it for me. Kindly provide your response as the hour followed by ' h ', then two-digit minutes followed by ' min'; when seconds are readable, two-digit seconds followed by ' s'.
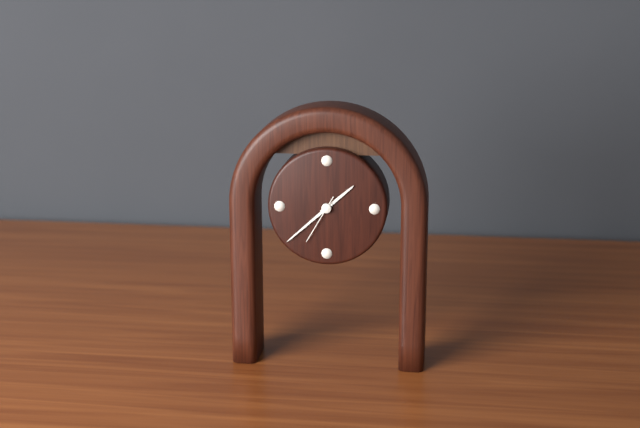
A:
1 h 38 min 35 s
